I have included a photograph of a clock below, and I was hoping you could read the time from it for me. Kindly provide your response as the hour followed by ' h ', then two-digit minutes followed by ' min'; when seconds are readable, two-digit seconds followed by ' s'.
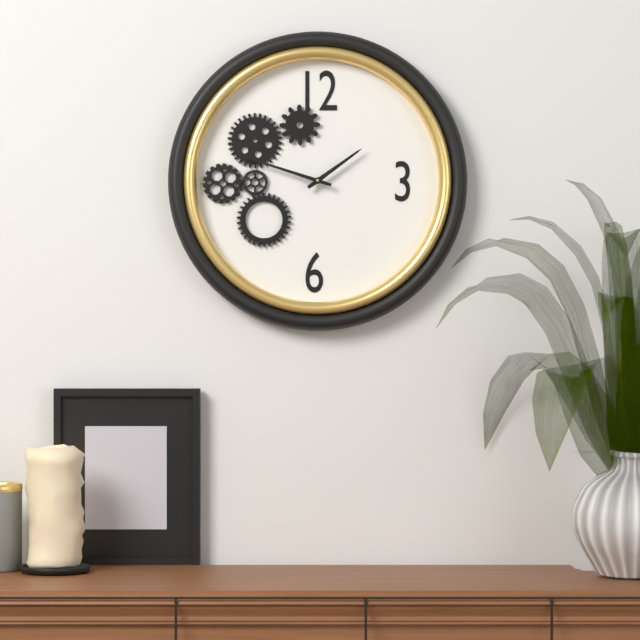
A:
1 h 48 min
